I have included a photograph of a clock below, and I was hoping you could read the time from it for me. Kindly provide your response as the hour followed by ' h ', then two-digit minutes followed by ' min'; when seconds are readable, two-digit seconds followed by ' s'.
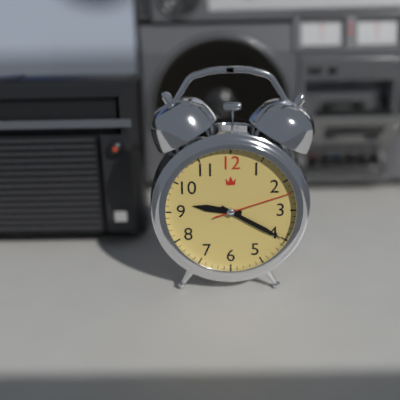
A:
9 h 20 min 12 s
